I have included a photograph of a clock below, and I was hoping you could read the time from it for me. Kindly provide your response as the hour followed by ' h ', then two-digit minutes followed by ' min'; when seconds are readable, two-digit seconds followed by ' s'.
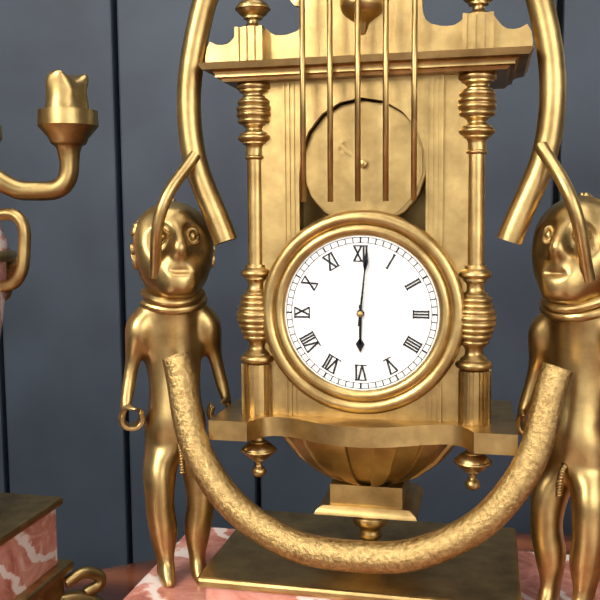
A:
6 h 01 min
